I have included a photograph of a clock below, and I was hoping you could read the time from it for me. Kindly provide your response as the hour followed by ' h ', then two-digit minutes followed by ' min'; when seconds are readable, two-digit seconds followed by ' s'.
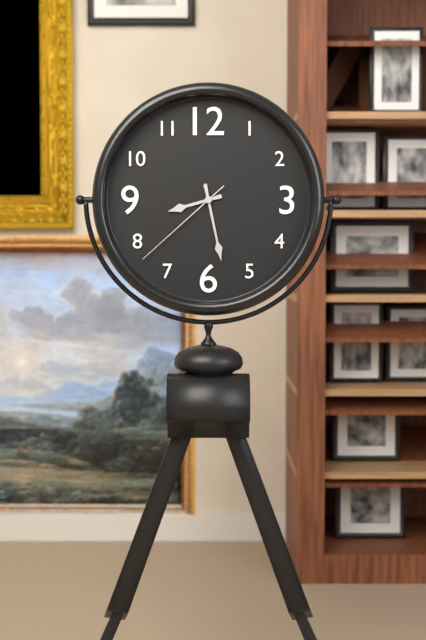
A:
8 h 28 min 38 s
